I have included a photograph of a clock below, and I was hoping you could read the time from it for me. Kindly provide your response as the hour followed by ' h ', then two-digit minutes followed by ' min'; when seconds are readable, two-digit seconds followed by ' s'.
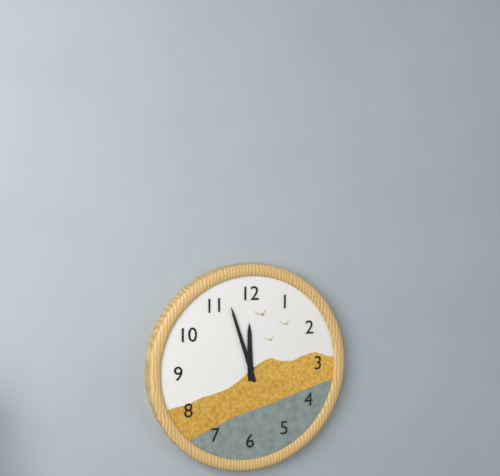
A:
11 h 57 min
